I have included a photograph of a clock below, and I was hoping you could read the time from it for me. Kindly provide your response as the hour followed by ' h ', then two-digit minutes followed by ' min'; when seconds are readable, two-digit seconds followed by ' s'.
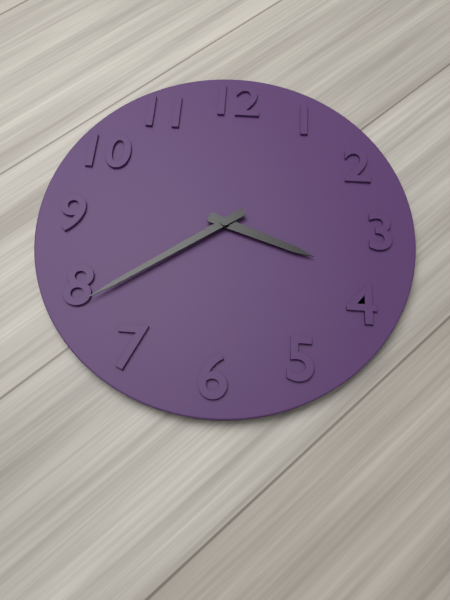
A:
3 h 39 min
